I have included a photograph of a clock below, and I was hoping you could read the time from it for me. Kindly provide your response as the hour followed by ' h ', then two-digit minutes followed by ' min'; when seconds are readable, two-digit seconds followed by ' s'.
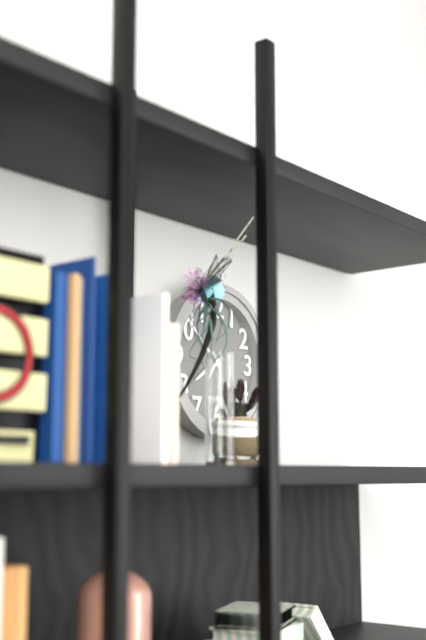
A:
7 h 52 min
